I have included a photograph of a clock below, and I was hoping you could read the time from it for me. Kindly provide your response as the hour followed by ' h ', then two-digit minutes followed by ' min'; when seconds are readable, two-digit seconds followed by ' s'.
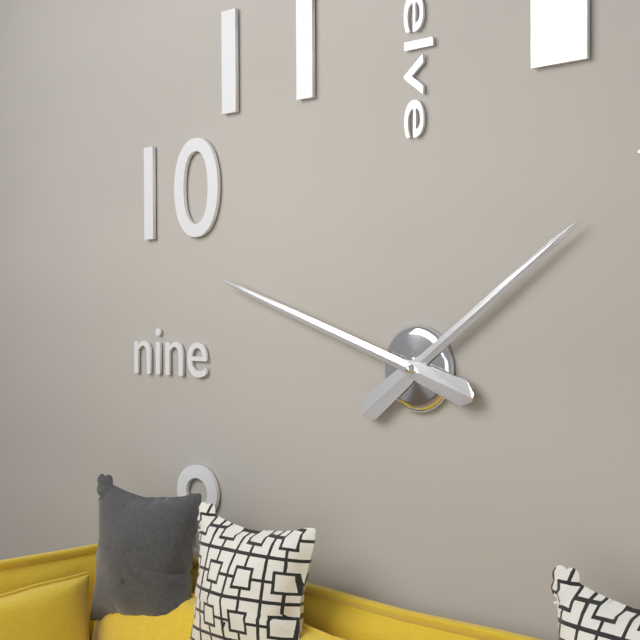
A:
1 h 48 min
